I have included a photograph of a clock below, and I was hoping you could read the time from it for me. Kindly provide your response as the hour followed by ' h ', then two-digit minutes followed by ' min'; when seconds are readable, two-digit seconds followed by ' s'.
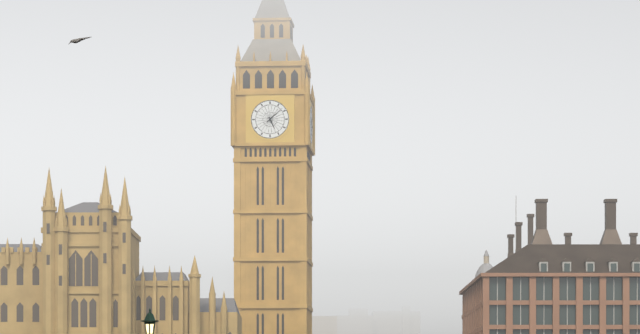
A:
5 h 08 min
